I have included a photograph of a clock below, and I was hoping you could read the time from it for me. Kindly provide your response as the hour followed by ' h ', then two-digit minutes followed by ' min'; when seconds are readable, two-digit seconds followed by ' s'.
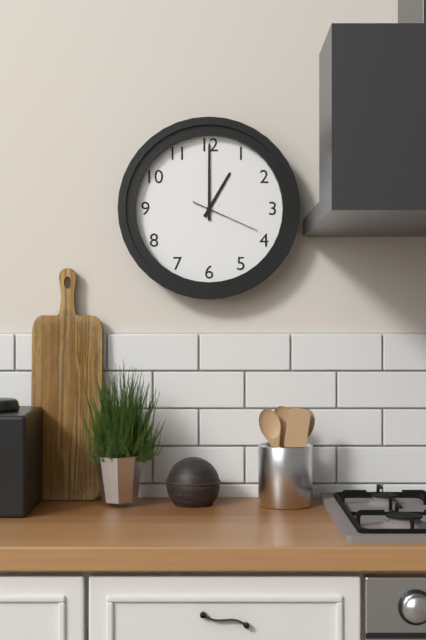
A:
1 h 00 min 19 s
